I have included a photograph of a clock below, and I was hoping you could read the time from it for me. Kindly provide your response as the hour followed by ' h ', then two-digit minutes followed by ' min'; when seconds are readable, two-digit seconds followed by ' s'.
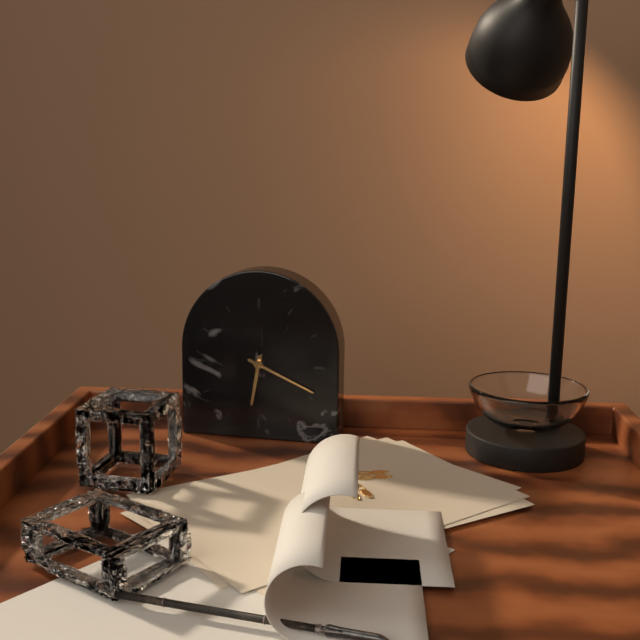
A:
6 h 19 min
